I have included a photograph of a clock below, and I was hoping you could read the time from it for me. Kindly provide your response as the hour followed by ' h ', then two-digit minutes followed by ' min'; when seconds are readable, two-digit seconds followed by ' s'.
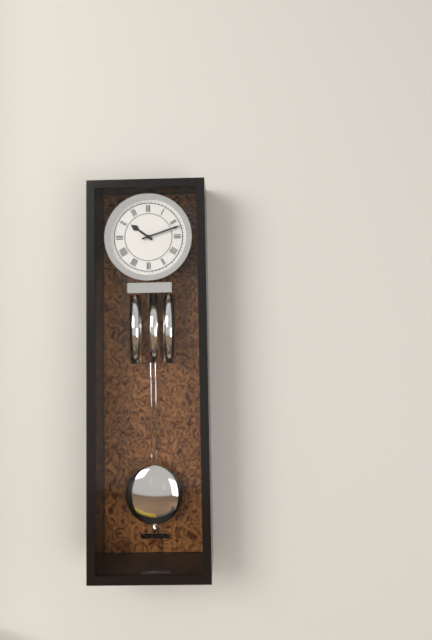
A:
10 h 12 min
